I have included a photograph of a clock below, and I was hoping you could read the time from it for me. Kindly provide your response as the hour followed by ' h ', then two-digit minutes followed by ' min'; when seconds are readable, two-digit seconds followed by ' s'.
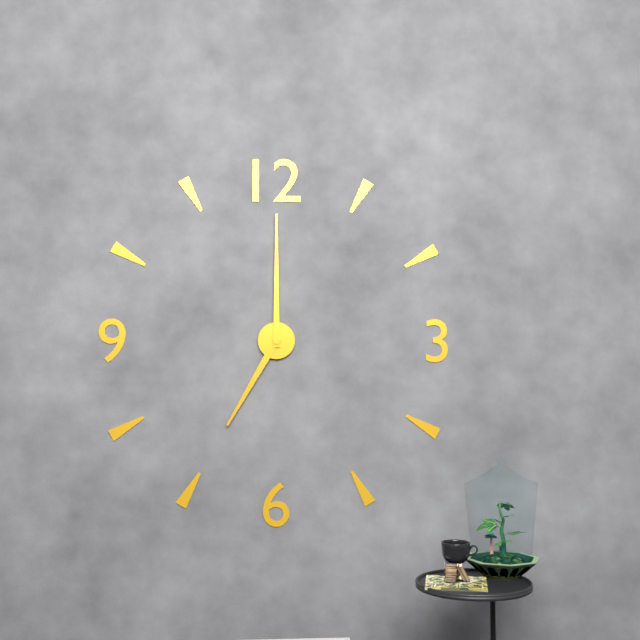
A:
7 h 00 min
